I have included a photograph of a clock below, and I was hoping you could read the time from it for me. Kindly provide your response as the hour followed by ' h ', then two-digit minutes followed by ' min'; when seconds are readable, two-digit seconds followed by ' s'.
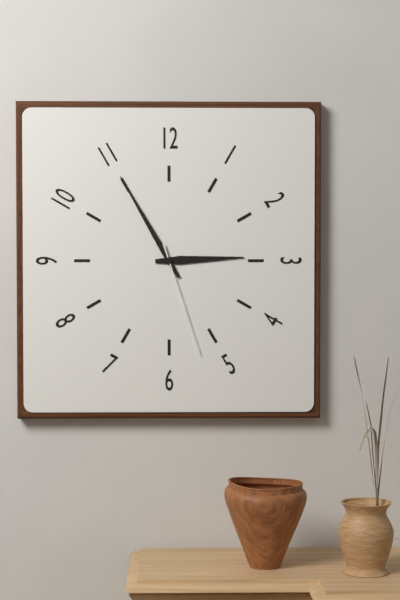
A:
2 h 55 min 27 s
